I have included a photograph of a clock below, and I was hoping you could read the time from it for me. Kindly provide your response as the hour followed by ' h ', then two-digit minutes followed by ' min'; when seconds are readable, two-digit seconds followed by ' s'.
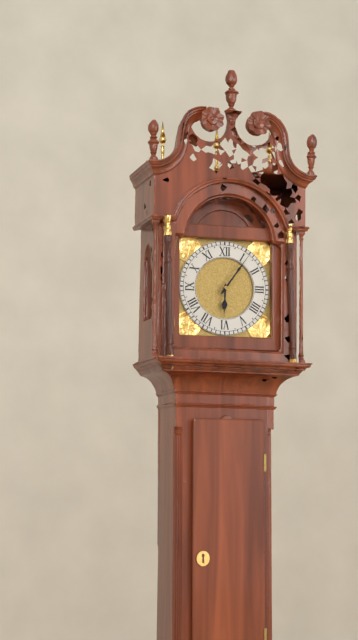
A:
6 h 06 min
